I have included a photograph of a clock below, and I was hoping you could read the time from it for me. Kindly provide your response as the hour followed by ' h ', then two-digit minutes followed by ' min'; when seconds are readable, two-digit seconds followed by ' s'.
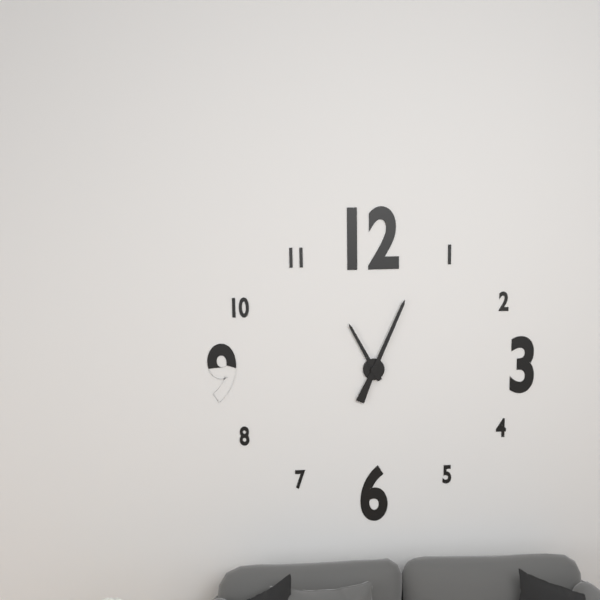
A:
11 h 04 min
